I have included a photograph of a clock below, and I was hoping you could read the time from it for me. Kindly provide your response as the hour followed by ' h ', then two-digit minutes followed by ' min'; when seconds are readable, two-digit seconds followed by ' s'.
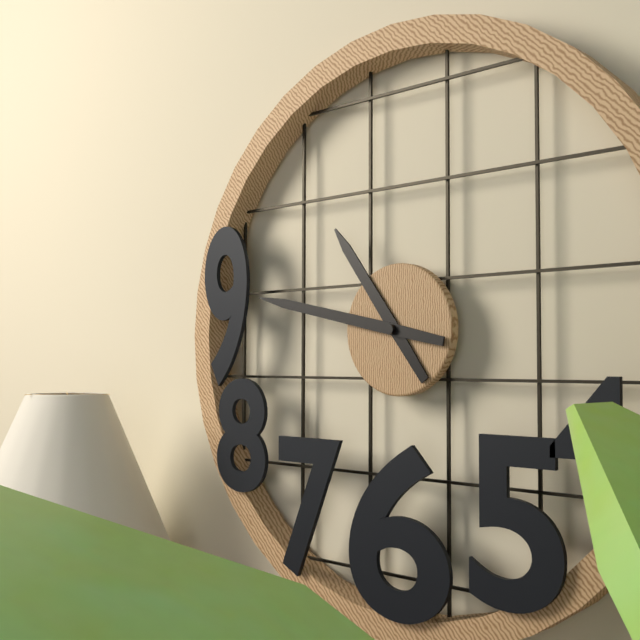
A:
10 h 47 min
